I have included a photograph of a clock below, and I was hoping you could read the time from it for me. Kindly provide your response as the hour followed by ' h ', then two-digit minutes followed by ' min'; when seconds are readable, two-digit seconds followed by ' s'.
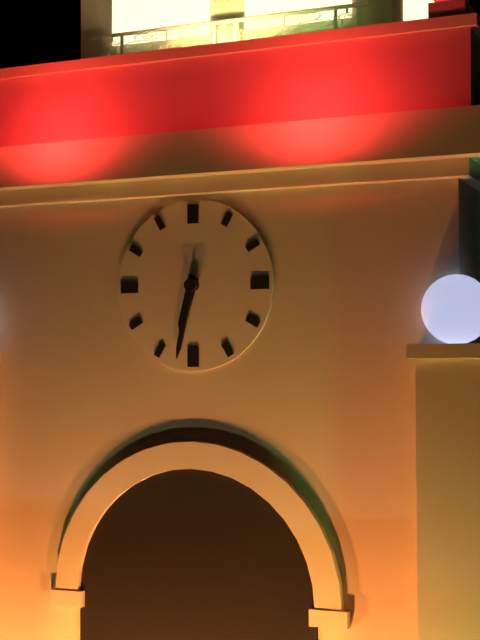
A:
6 h 32 min
